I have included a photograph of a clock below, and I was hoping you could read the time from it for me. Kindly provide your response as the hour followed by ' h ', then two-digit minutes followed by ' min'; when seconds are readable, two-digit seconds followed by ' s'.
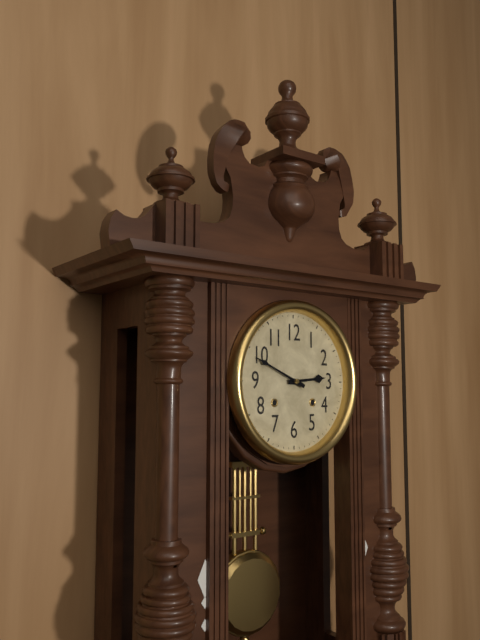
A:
2 h 49 min
